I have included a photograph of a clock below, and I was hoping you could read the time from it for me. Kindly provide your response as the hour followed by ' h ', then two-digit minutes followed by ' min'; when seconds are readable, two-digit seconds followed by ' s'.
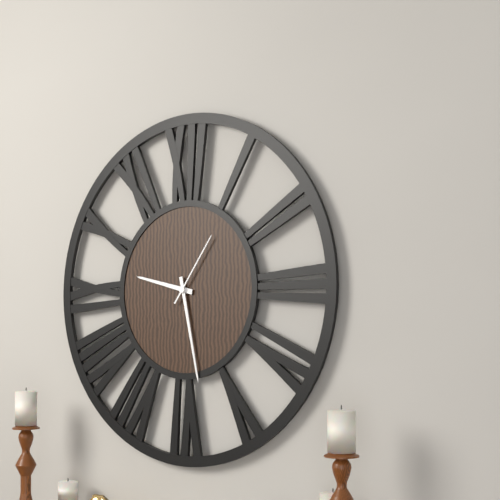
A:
9 h 28 min 06 s
